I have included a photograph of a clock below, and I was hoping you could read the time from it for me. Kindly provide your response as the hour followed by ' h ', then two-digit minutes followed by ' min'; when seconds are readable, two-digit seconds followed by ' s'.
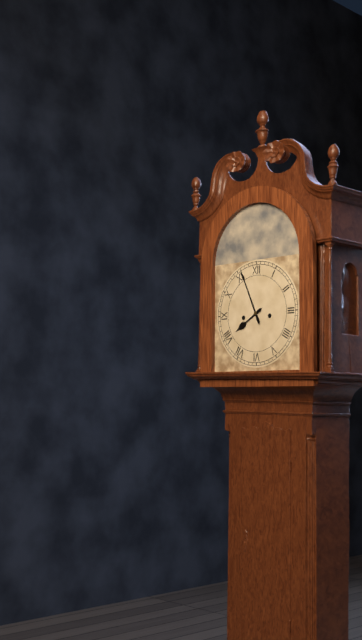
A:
7 h 56 min
